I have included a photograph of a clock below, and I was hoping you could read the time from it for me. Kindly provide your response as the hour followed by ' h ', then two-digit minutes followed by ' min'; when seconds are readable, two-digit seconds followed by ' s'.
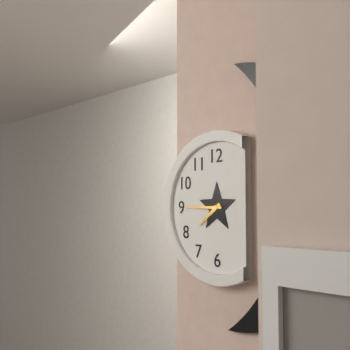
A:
7 h 45 min
